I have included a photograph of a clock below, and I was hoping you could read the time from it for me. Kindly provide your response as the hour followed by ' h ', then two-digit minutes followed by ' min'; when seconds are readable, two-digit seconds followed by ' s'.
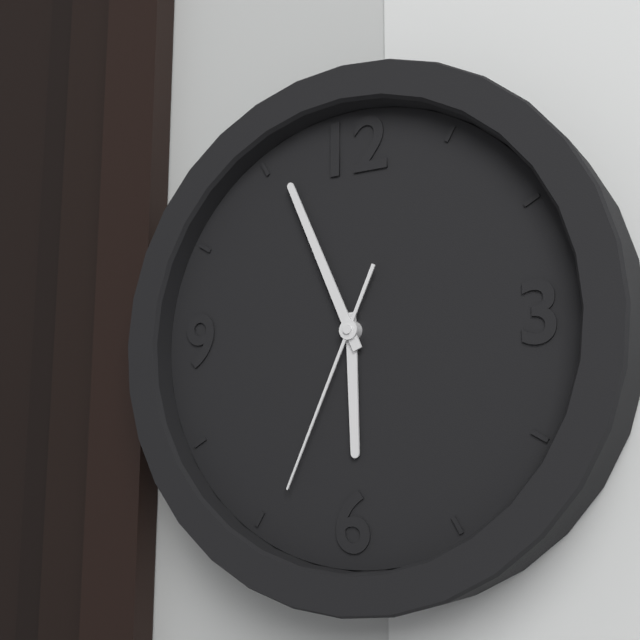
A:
5 h 56 min 34 s
